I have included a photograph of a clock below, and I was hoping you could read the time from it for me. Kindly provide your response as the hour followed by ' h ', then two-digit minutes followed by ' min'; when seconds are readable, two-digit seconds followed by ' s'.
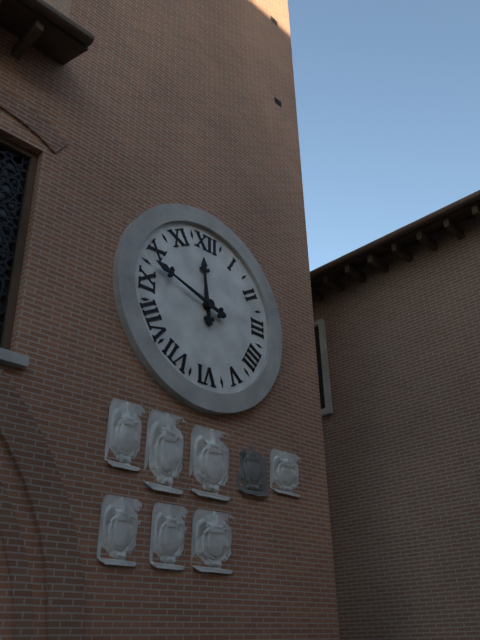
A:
11 h 48 min
